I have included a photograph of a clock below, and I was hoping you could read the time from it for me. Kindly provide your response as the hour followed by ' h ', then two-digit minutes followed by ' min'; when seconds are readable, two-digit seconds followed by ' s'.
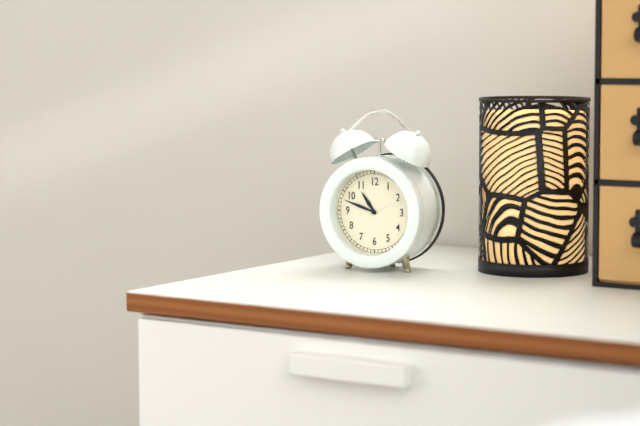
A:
10 h 48 min
